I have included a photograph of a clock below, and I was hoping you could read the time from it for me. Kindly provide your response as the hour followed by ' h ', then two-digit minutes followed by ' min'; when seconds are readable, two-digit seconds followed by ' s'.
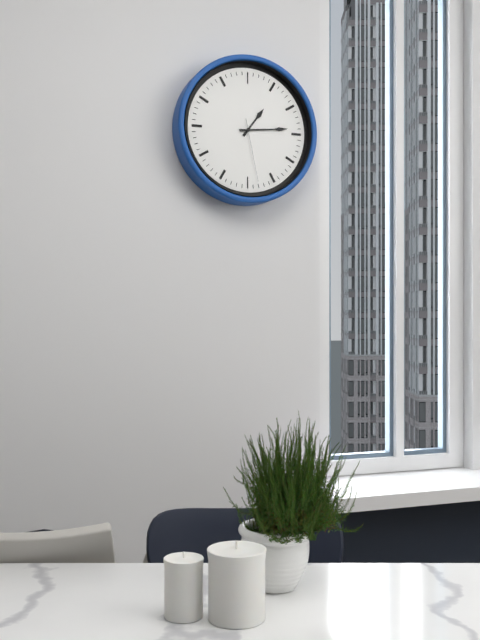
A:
1 h 14 min 28 s
